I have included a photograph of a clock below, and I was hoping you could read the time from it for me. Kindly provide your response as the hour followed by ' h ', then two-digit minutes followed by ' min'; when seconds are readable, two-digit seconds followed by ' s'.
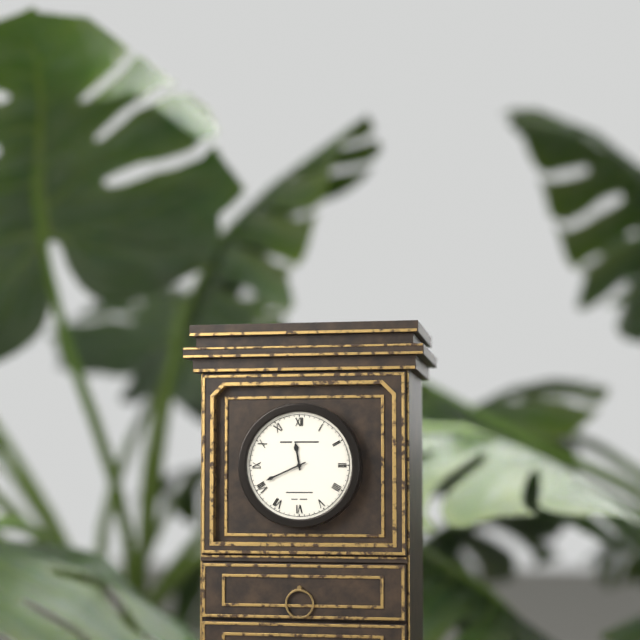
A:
11 h 41 min
